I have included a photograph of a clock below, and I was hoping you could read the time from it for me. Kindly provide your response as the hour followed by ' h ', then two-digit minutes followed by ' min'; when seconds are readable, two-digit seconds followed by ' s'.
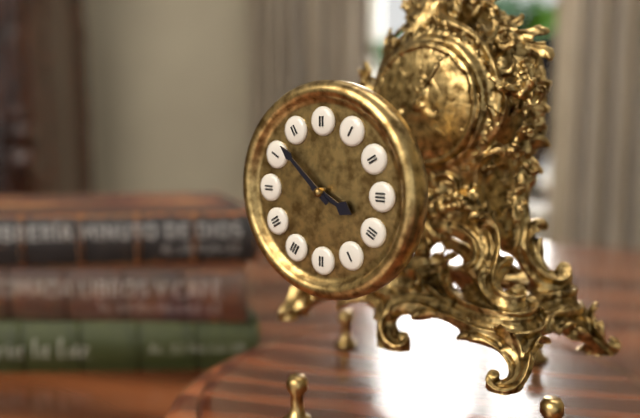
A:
3 h 52 min
